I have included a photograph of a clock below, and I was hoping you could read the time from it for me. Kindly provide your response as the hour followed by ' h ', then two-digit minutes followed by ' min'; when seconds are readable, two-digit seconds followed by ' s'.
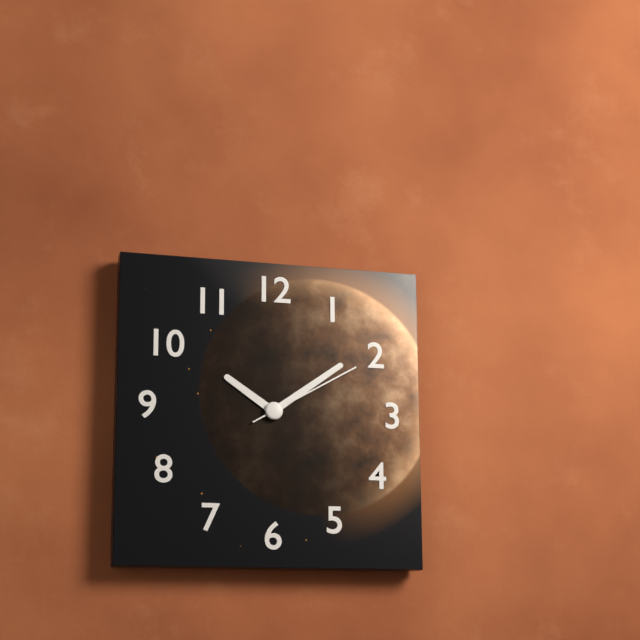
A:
10 h 09 min 10 s
